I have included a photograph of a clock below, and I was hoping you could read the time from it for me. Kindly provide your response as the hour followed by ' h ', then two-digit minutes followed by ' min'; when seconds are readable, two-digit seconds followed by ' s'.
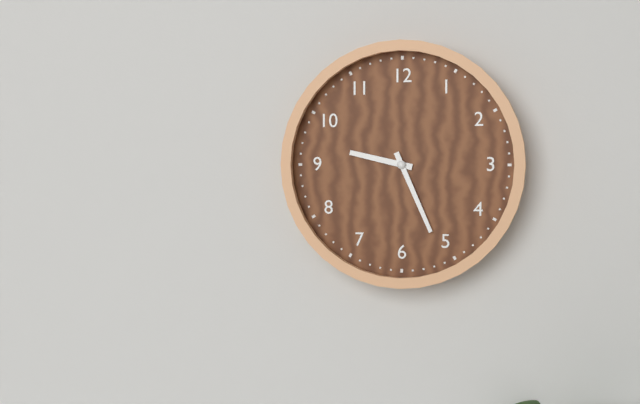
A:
9 h 26 min
